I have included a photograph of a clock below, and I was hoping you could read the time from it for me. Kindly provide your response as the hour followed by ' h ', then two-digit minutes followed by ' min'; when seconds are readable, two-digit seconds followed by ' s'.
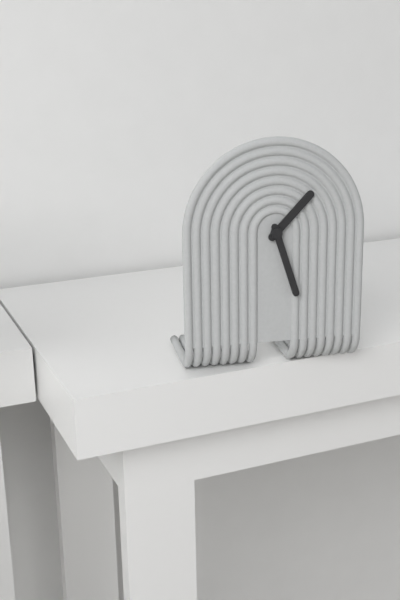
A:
1 h 27 min
